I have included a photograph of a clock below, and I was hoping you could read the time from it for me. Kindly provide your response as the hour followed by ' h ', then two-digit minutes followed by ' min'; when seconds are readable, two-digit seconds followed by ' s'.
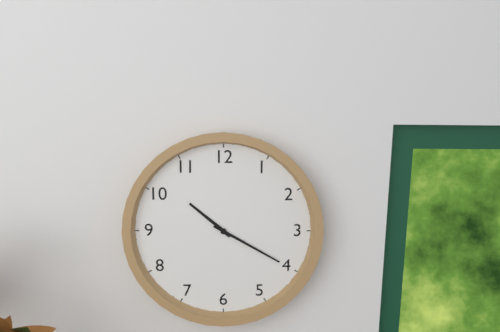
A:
10 h 20 min
